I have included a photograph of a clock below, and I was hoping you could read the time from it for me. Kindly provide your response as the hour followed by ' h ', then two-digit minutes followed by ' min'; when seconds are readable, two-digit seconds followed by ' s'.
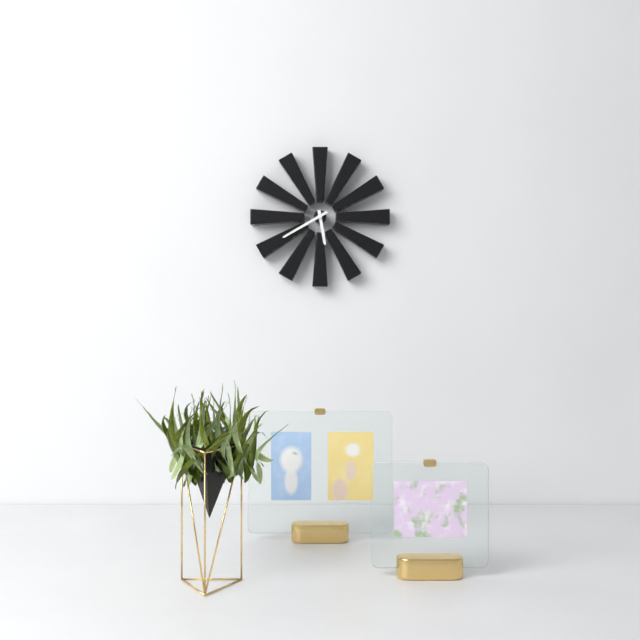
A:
5 h 40 min
